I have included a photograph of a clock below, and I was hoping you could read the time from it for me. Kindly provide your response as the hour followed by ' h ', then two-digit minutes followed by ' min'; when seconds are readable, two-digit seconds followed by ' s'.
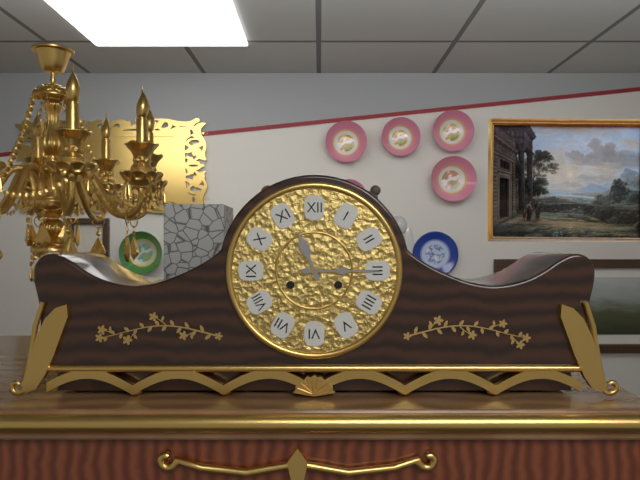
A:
11 h 15 min
